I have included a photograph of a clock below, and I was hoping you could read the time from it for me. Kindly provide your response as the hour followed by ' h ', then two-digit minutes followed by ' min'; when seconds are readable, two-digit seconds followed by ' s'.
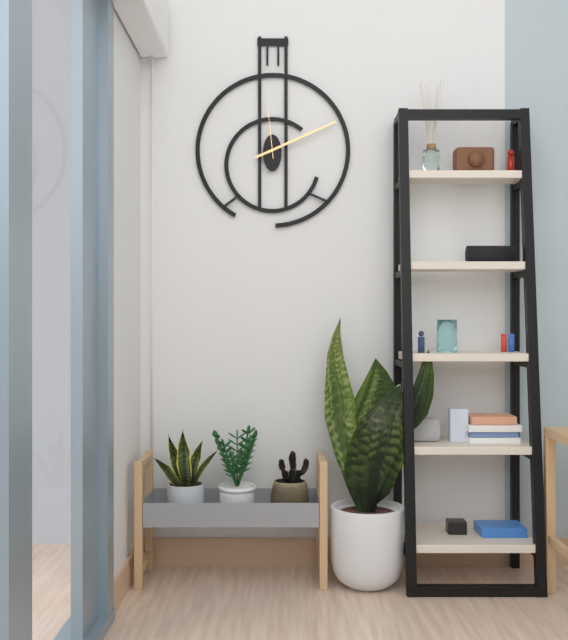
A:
2 h 11 min 59 s
